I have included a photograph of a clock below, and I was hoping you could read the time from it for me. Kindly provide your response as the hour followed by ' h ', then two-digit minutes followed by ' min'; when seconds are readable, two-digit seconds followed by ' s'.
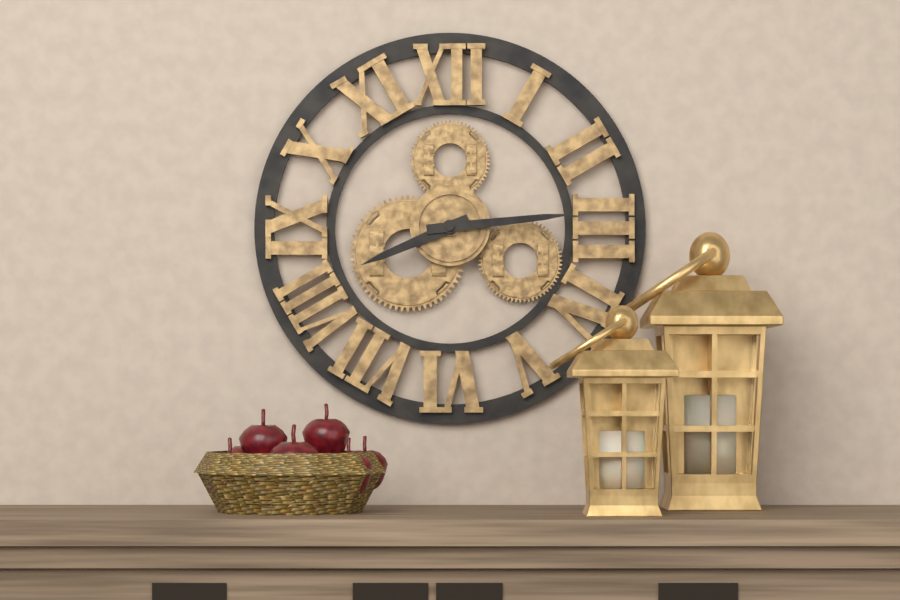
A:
8 h 14 min
